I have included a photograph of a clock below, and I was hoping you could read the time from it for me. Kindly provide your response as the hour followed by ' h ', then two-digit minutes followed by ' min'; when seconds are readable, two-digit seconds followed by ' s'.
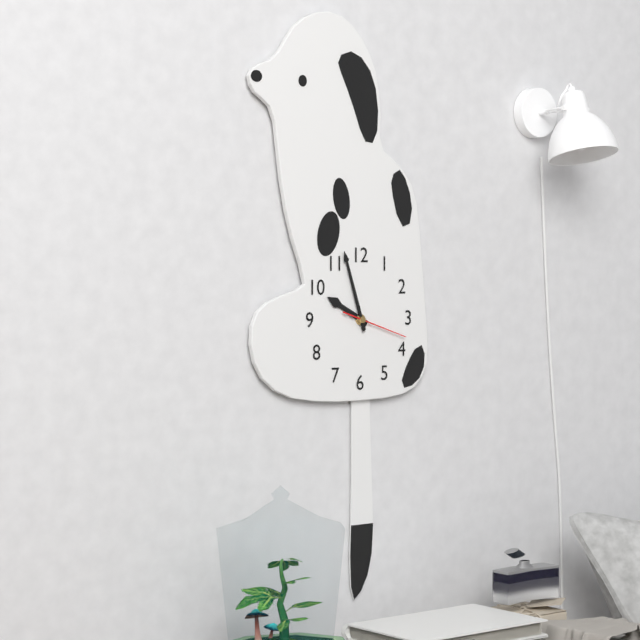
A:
9 h 57 min 18 s
